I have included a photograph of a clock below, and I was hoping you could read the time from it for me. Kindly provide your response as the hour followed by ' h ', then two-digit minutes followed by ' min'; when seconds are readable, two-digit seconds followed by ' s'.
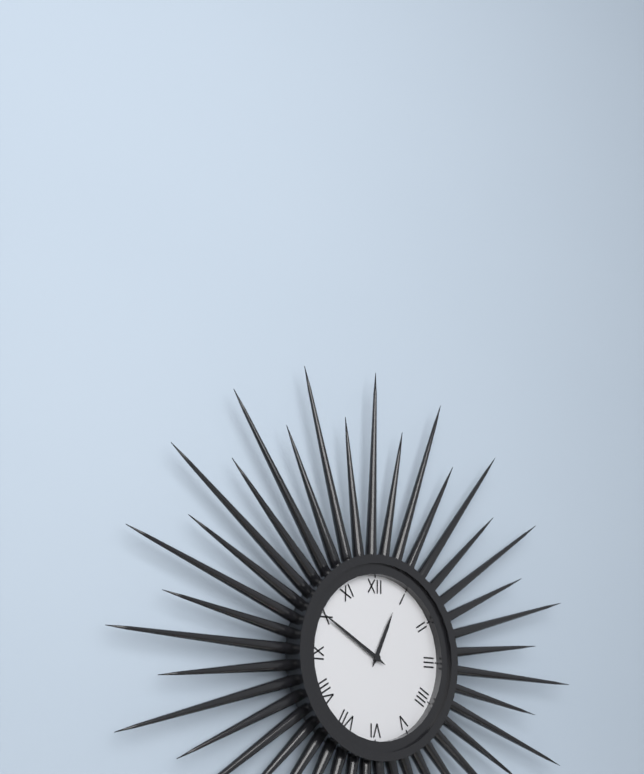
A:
12 h 50 min
